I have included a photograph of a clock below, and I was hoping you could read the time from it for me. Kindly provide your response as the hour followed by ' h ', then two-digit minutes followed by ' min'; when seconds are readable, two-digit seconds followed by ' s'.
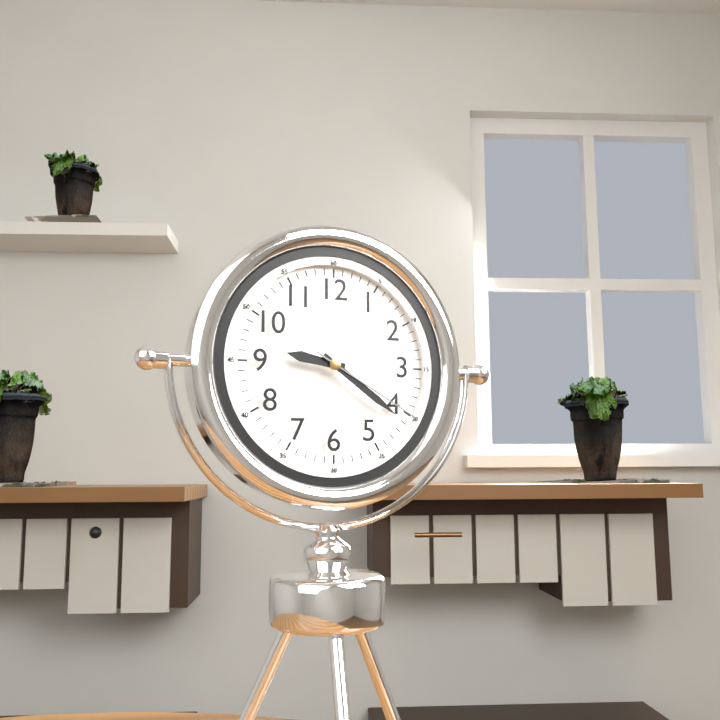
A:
9 h 21 min 20 s
